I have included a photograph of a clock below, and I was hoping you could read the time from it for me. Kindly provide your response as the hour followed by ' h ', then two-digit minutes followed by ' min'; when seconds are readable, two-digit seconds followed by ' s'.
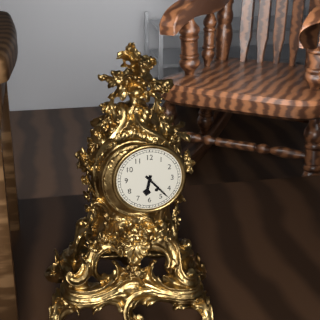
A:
6 h 23 min
